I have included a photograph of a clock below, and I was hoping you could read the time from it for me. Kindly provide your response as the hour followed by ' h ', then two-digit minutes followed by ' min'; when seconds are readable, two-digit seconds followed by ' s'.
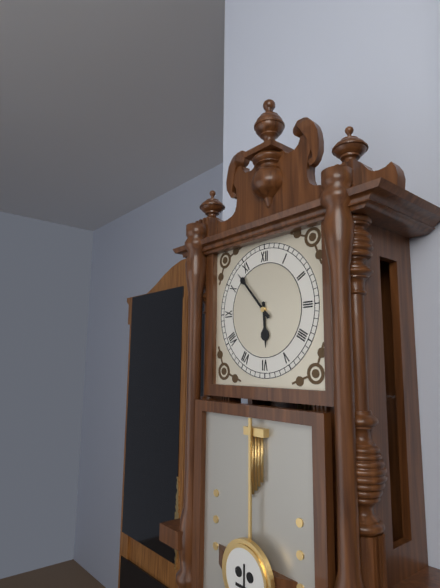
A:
5 h 53 min
